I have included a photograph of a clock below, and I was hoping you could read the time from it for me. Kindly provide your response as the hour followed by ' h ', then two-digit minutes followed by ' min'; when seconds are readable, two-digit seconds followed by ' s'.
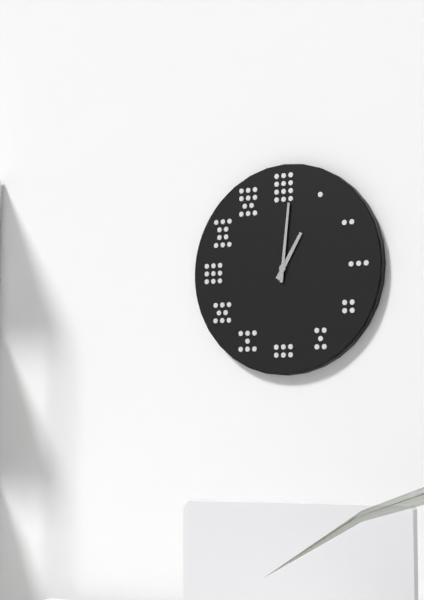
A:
1 h 01 min
